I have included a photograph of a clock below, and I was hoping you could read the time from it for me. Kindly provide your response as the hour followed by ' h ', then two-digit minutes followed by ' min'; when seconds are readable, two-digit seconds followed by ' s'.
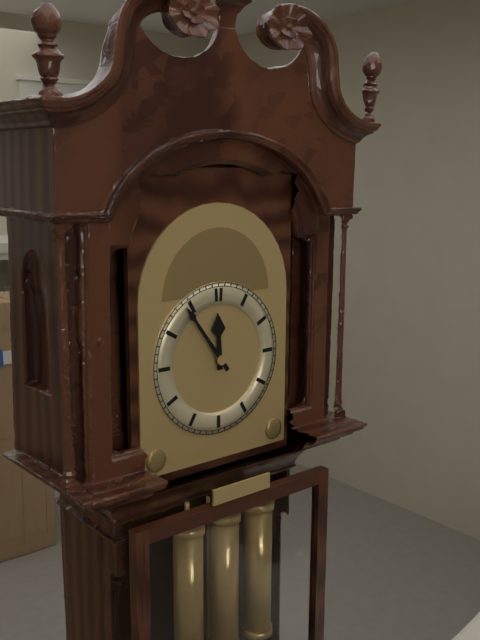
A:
11 h 54 min
